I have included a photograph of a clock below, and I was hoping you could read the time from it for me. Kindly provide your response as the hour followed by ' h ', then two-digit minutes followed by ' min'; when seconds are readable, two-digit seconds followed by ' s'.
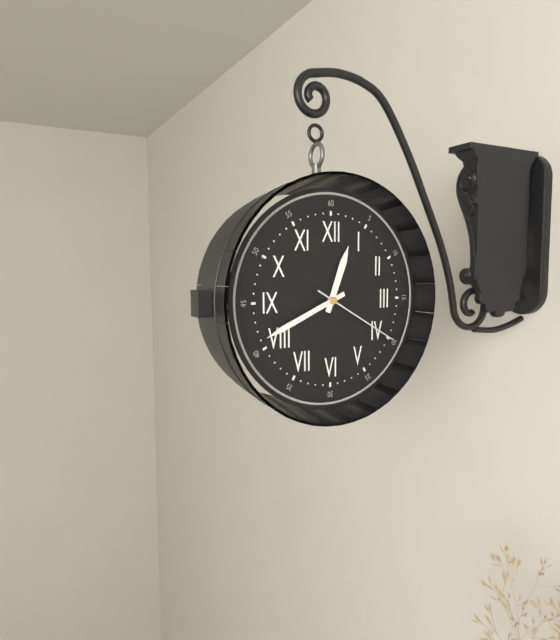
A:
12 h 41 min 20 s
